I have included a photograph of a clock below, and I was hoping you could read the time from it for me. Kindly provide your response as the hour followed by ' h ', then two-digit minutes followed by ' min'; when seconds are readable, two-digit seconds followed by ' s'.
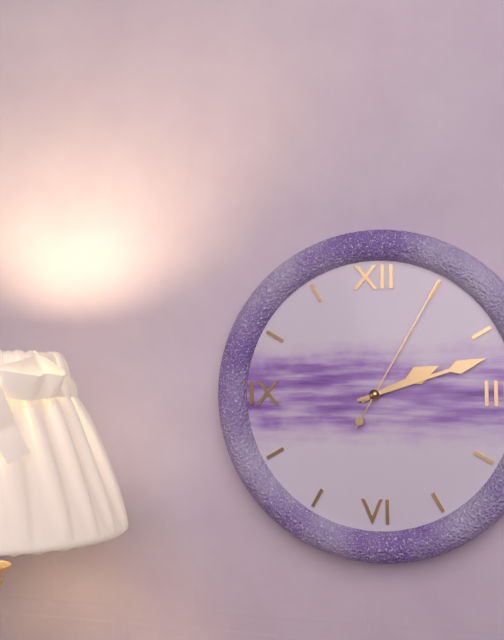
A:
2 h 12 min 05 s
